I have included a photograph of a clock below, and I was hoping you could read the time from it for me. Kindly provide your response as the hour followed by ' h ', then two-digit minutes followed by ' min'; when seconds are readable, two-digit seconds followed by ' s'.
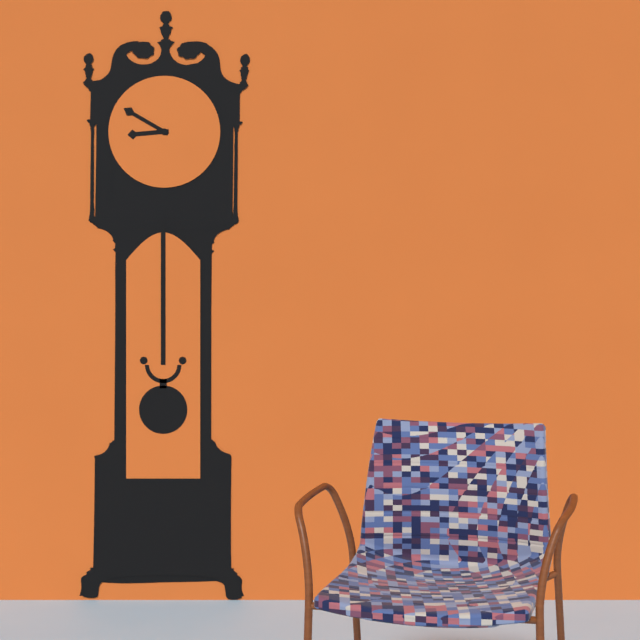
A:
8 h 50 min
